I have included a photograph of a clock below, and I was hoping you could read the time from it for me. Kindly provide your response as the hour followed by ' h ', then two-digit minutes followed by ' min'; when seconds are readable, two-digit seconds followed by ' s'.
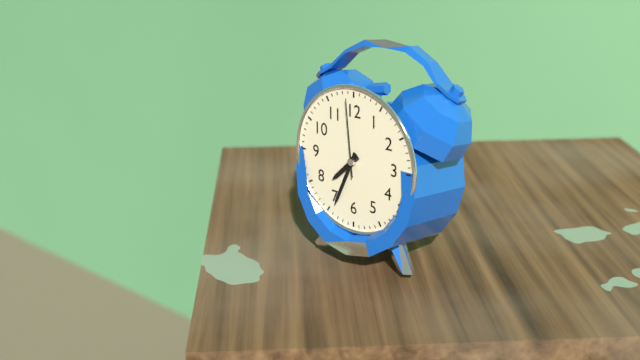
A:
7 h 34 min 59 s
